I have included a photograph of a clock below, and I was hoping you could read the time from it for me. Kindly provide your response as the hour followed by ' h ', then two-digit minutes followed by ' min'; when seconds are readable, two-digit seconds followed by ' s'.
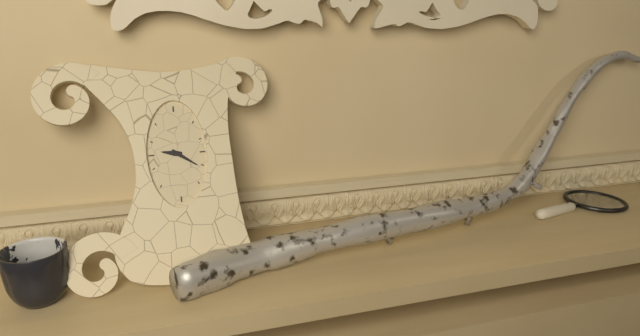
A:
9 h 21 min
